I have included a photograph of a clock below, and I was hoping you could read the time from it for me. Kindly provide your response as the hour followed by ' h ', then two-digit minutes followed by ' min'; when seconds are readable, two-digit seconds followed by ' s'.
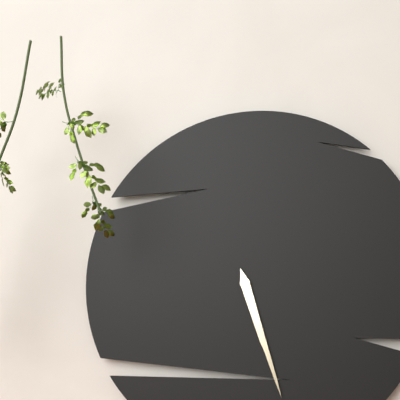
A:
5 h 27 min
